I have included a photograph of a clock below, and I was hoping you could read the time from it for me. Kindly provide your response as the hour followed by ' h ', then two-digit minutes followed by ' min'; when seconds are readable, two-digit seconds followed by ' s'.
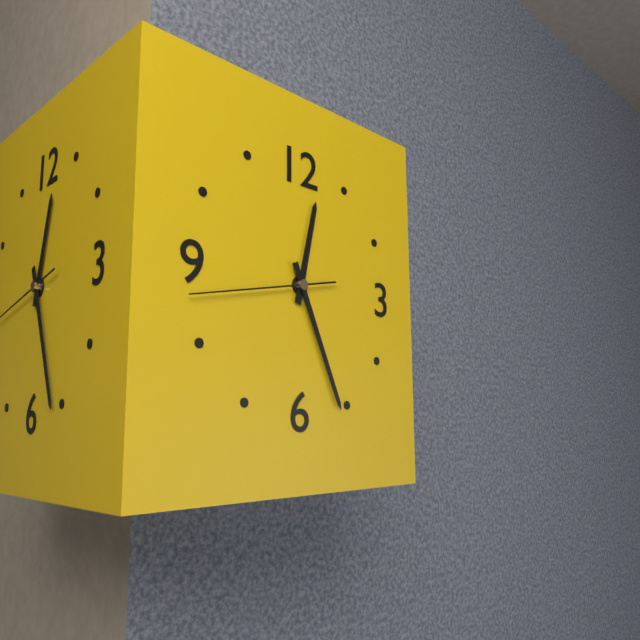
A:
12 h 26 min 43 s
